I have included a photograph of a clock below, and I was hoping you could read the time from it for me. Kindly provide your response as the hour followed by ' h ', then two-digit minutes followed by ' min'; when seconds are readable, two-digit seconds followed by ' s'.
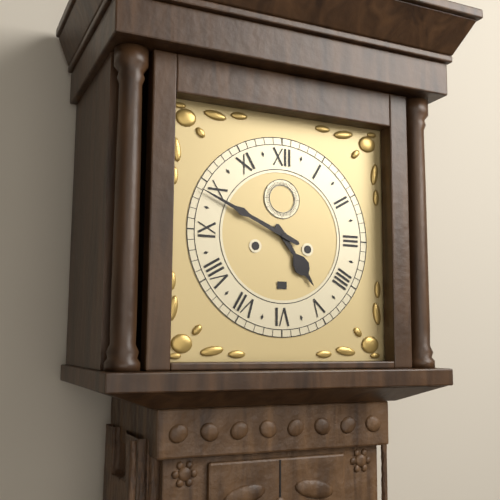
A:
4 h 49 min
